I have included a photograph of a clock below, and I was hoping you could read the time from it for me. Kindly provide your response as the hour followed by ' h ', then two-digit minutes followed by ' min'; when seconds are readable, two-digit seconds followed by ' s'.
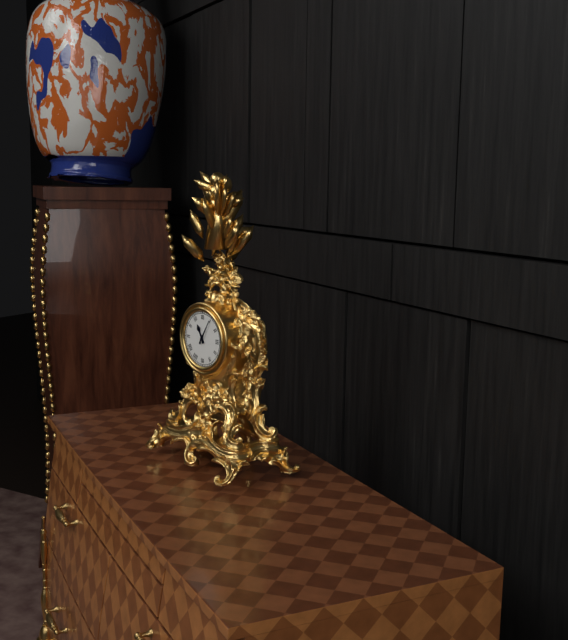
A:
11 h 05 min
